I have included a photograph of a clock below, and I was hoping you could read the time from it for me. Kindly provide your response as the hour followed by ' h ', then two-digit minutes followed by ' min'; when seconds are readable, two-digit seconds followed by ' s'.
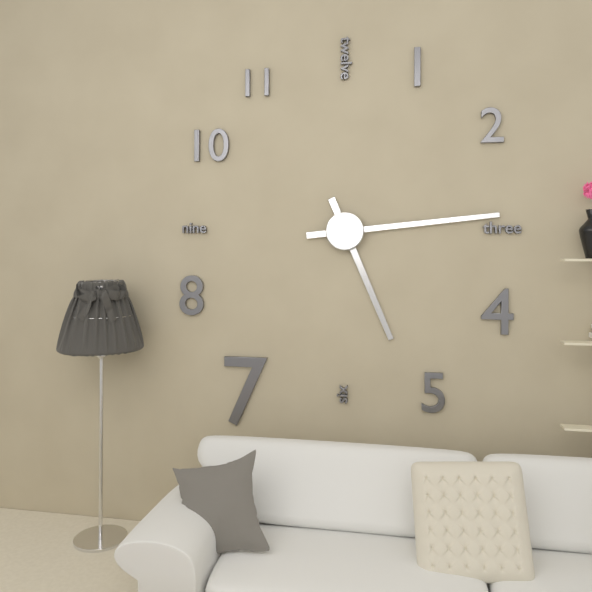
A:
5 h 14 min
